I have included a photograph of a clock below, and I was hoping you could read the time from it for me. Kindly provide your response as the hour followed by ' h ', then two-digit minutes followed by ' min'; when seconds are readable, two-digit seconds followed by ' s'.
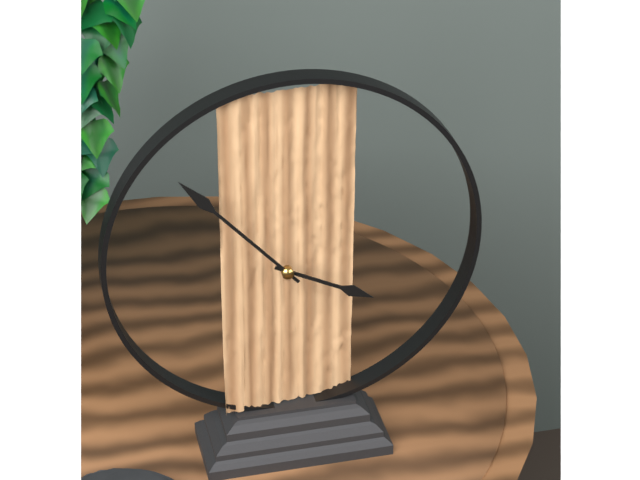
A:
3 h 53 min
